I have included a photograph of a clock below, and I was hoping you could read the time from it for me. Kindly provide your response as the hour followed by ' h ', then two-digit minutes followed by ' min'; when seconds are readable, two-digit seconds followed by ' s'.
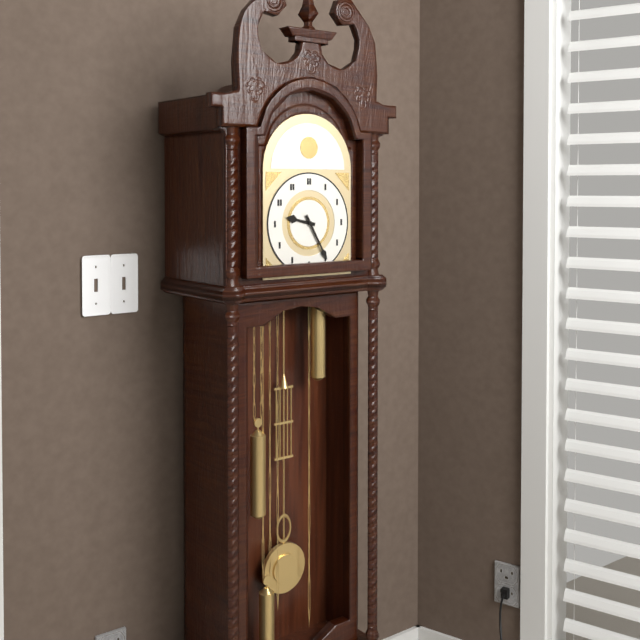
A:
9 h 25 min
